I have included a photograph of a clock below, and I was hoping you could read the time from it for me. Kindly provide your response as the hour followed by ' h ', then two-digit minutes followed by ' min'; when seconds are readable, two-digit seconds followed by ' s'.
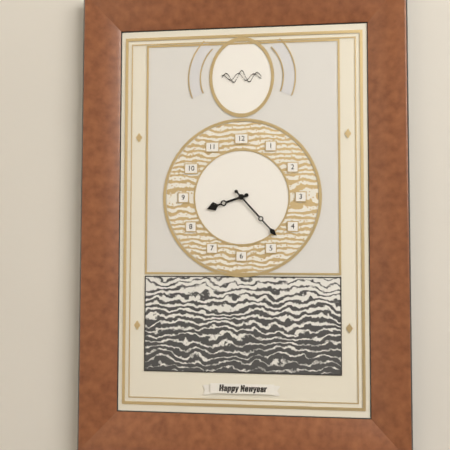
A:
8 h 23 min
